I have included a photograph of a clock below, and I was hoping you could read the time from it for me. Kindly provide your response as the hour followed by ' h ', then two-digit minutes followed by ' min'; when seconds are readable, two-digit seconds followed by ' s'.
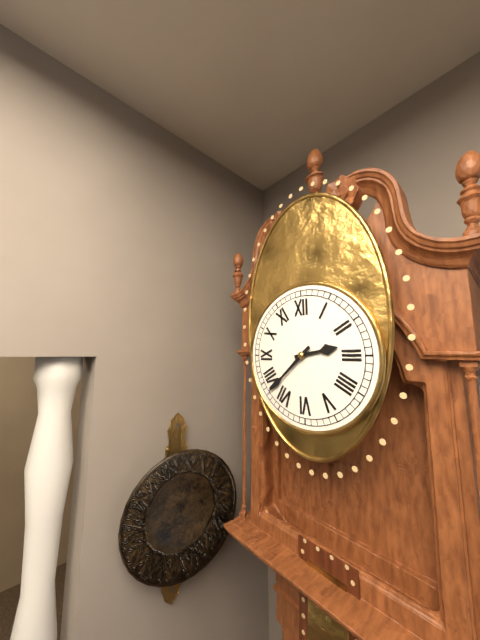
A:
2 h 38 min
